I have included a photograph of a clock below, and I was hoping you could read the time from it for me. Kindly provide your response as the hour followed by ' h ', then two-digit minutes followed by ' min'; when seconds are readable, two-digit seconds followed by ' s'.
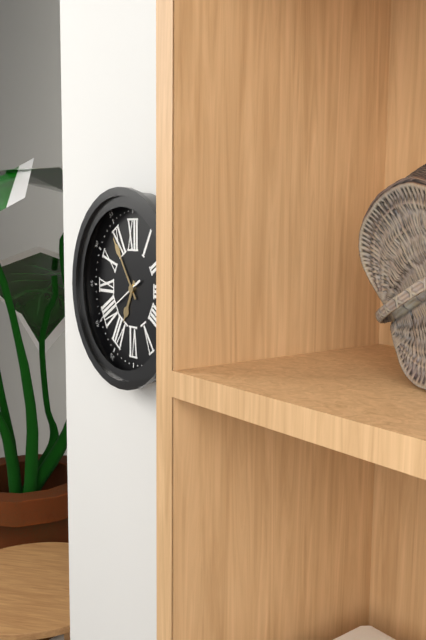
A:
6 h 54 min 40 s
